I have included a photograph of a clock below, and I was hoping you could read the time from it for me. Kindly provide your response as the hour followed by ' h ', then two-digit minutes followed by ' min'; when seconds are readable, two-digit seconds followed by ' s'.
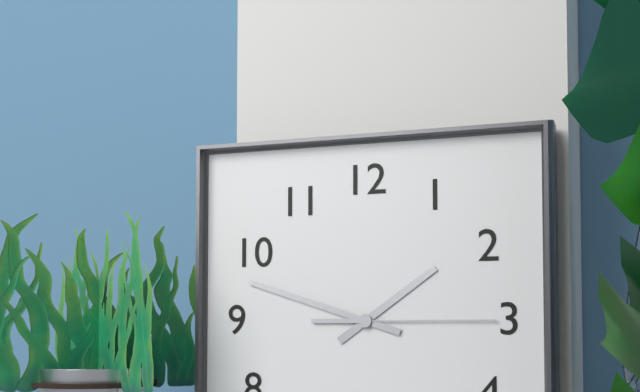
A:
1 h 48 min 15 s
